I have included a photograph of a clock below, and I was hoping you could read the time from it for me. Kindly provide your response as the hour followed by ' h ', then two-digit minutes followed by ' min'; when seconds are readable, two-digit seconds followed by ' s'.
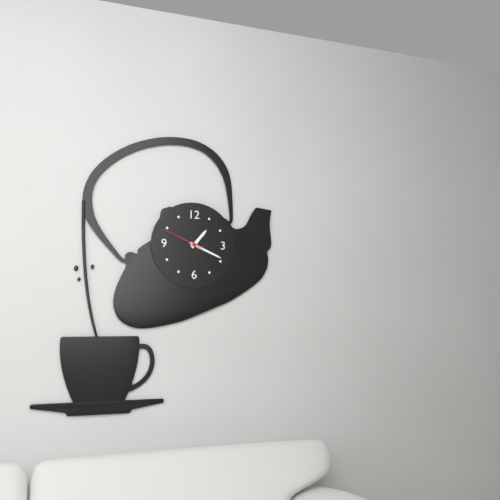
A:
1 h 19 min
